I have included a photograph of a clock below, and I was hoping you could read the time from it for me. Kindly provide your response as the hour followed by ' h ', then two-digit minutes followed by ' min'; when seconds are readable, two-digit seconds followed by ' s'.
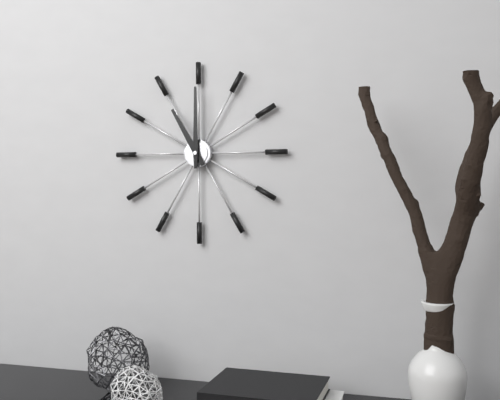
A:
11 h 00 min
